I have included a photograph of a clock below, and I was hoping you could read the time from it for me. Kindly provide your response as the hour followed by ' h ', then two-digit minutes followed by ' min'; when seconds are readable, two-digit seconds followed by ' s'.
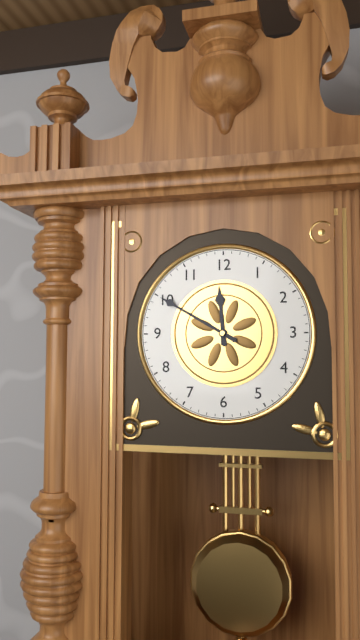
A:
11 h 50 min
